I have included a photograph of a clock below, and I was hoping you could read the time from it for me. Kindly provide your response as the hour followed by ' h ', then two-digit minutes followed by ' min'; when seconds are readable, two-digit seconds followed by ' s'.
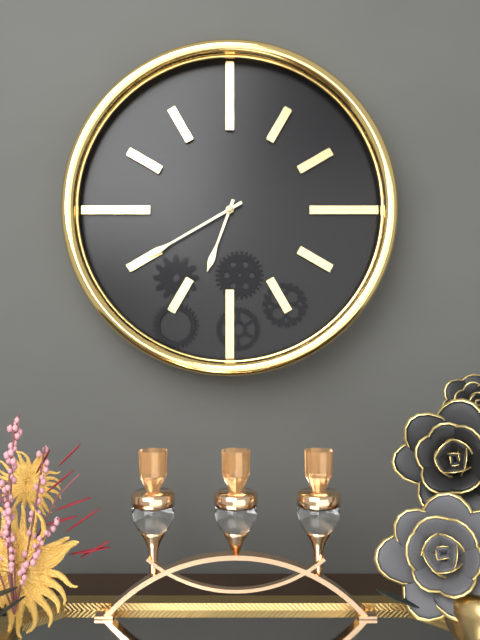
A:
6 h 40 min
